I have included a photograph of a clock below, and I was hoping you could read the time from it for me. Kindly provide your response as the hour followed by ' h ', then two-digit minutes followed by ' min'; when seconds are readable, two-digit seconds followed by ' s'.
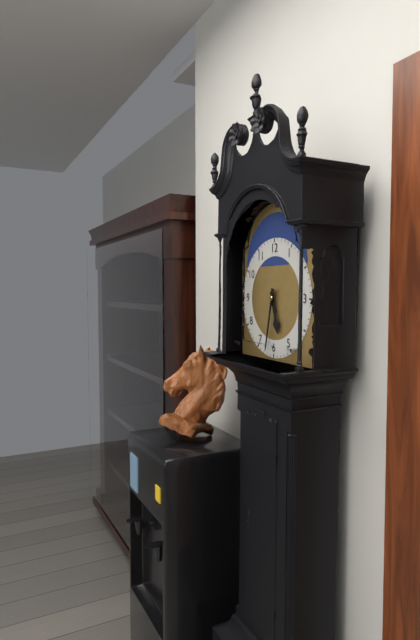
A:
5 h 32 min
